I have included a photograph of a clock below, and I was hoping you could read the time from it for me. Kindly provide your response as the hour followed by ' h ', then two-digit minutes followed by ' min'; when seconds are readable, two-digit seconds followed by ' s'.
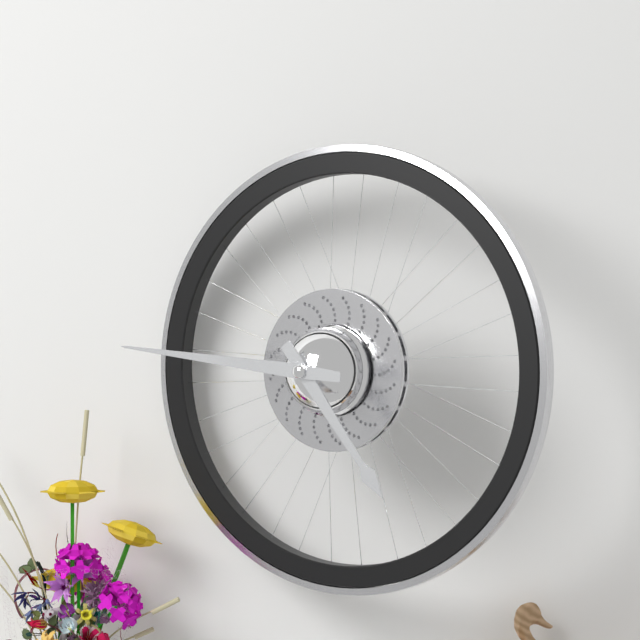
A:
4 h 46 min
